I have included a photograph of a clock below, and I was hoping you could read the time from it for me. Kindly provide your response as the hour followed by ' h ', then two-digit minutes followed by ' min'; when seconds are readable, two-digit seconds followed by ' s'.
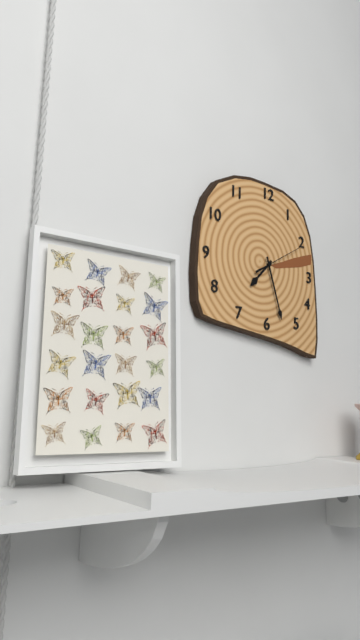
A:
7 h 27 min 10 s
